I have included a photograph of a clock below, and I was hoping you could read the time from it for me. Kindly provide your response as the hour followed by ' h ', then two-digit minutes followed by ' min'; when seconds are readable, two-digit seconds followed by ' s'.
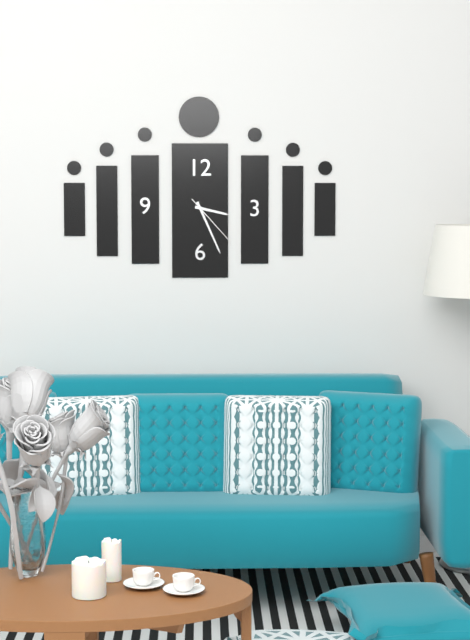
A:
3 h 26 min 23 s
